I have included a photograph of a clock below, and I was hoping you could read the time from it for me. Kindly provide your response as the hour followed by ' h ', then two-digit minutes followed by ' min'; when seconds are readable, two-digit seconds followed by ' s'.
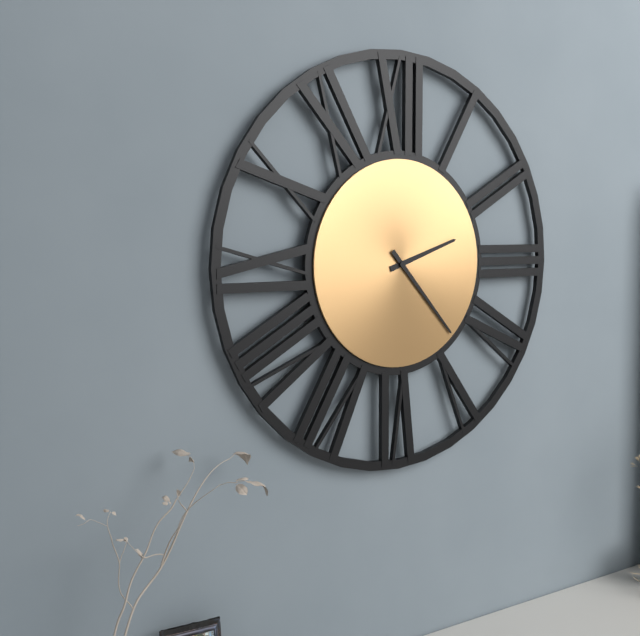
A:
2 h 23 min
